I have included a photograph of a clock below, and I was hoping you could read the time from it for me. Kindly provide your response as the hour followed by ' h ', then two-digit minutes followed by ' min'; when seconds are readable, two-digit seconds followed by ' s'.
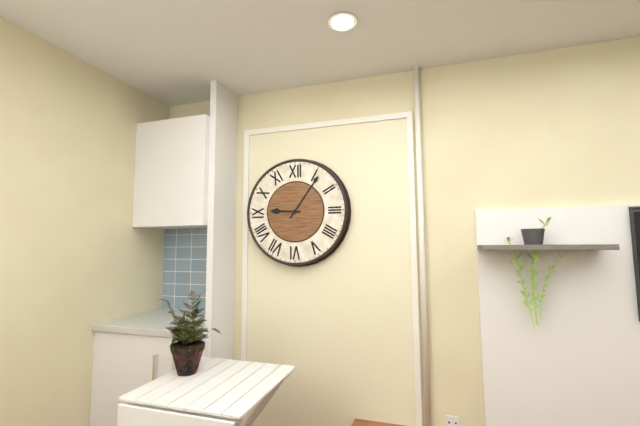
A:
9 h 06 min
